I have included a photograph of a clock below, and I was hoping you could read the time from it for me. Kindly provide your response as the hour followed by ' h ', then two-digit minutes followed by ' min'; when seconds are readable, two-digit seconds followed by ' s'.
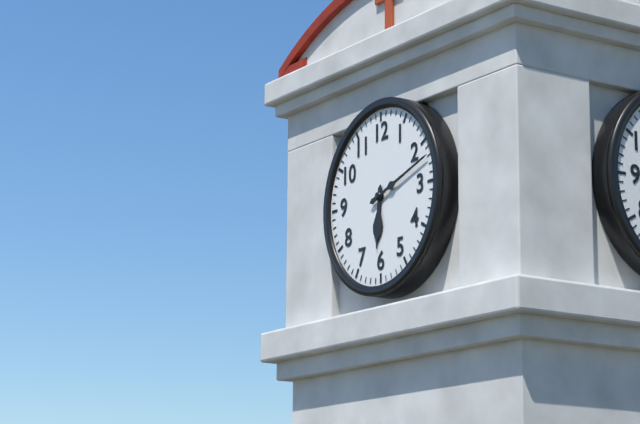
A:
6 h 12 min
